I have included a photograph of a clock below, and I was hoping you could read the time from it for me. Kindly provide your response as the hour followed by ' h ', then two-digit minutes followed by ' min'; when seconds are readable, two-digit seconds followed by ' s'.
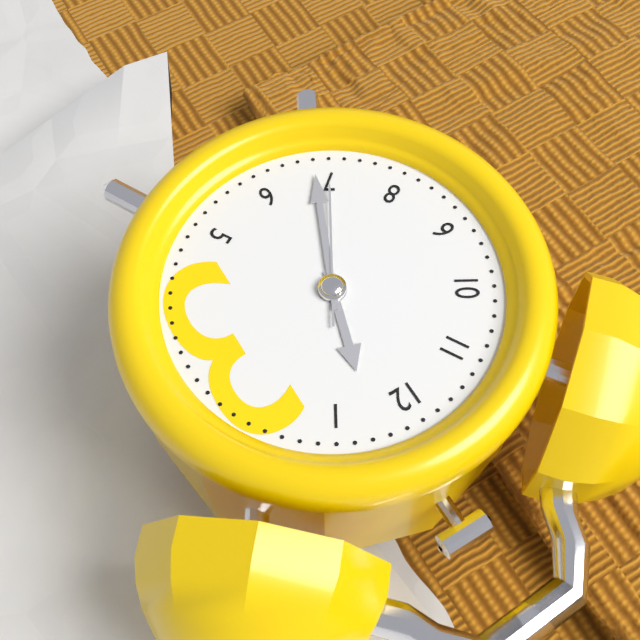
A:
12 h 34 min 35 s
